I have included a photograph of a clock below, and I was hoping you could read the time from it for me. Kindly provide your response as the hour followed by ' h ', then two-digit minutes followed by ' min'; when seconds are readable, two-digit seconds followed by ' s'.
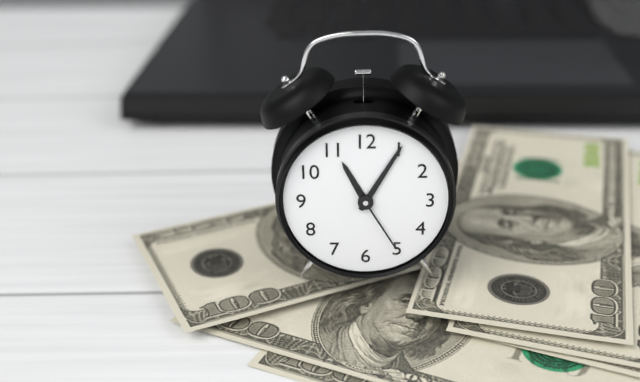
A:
11 h 05 min 25 s
